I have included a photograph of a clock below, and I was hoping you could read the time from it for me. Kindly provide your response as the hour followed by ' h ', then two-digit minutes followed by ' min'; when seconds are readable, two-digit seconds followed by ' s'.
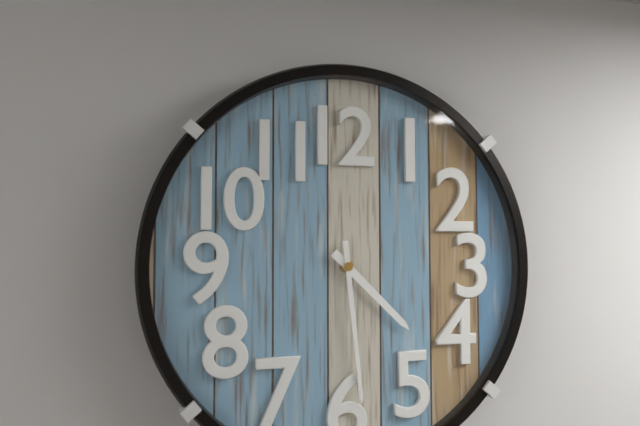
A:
4 h 29 min
